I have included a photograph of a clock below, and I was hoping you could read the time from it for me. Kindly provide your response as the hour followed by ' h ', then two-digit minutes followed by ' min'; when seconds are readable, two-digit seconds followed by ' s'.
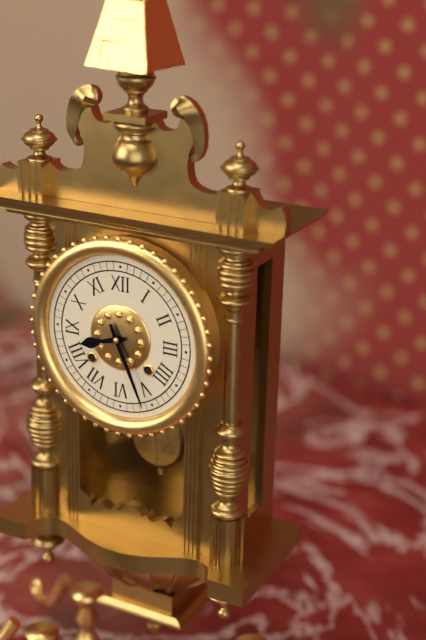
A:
8 h 26 min
